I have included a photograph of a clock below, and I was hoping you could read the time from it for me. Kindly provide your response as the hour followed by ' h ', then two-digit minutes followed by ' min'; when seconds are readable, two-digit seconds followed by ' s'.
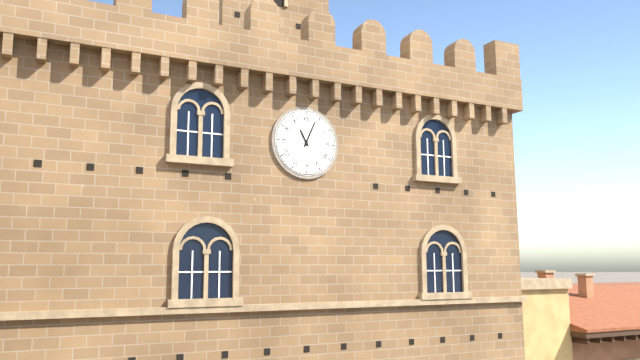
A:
11 h 04 min
